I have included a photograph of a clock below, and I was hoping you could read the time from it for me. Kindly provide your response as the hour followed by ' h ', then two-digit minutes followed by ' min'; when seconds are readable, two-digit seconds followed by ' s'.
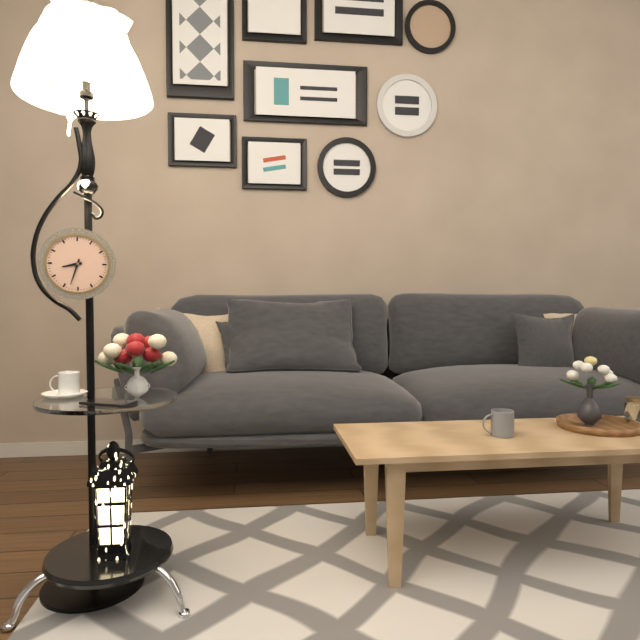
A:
8 h 33 min
